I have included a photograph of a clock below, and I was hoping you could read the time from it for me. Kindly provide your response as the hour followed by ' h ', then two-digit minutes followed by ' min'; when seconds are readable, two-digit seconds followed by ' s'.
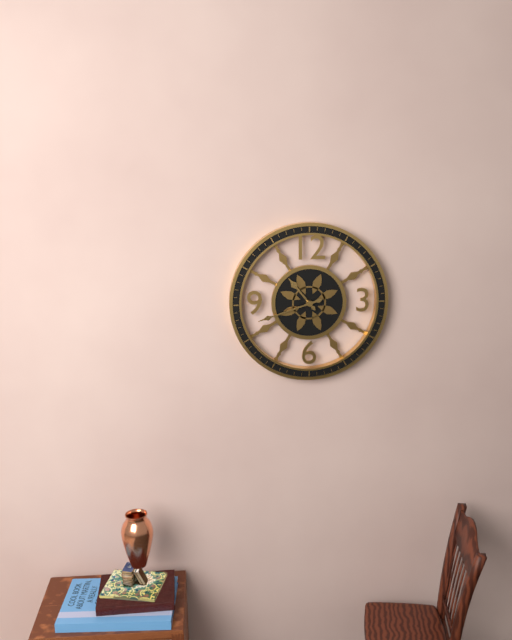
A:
10 h 42 min
